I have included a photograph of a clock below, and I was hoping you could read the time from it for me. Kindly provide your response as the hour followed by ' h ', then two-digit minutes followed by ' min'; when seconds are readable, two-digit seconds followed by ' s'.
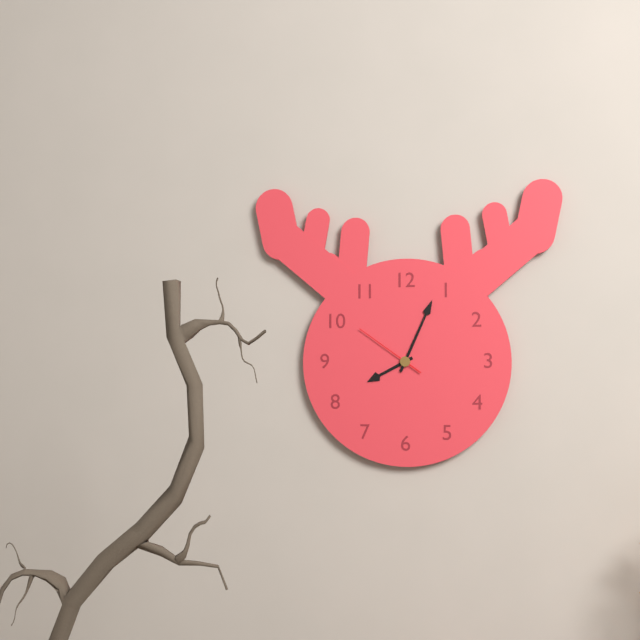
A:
8 h 04 min 51 s
